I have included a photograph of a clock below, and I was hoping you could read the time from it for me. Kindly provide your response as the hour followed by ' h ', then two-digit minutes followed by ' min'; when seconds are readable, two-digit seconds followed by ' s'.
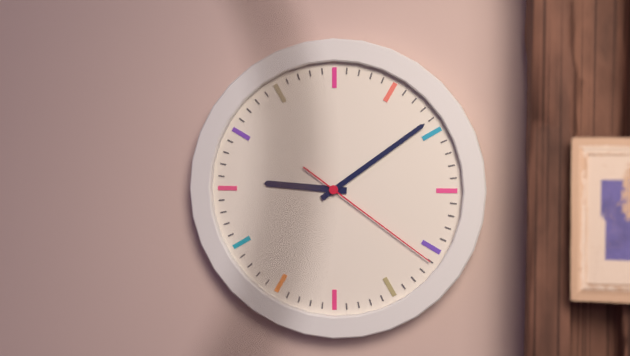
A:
9 h 09 min 21 s
